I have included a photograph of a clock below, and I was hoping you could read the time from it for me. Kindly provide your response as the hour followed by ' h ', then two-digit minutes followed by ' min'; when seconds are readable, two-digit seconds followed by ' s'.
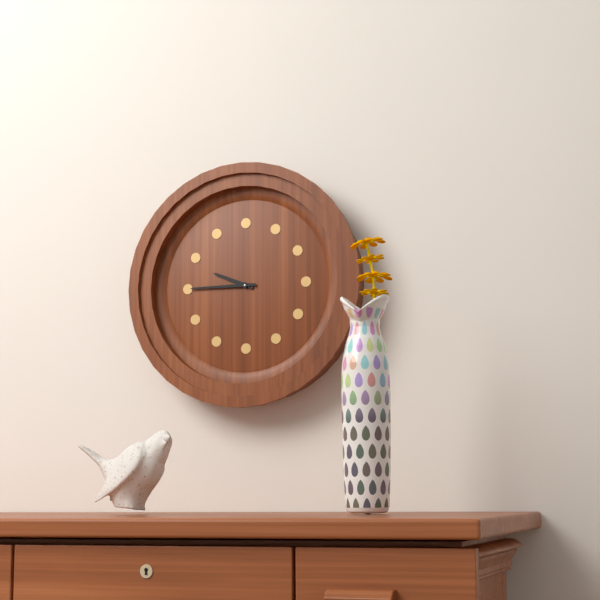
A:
9 h 45 min
